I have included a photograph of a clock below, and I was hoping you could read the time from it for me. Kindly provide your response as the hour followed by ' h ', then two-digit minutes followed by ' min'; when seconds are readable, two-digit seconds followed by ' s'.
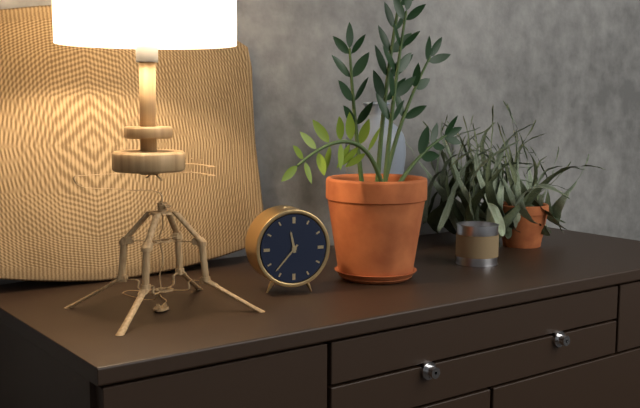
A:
11 h 37 min
